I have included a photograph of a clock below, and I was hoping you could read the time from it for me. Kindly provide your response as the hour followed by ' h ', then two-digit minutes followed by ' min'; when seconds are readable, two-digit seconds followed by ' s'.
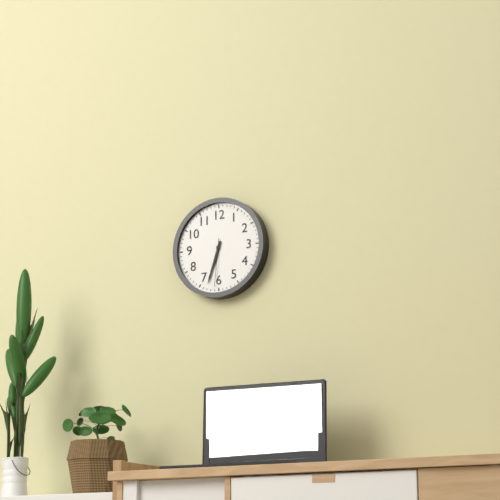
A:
6 h 33 min
